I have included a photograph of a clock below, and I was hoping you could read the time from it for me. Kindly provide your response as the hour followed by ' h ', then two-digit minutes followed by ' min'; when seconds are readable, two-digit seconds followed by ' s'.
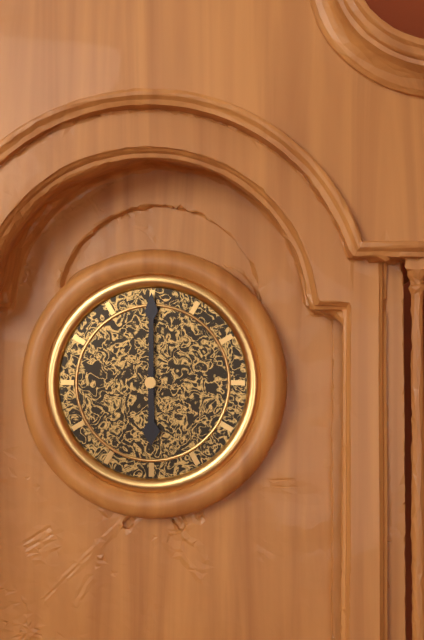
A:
6 h 00 min
